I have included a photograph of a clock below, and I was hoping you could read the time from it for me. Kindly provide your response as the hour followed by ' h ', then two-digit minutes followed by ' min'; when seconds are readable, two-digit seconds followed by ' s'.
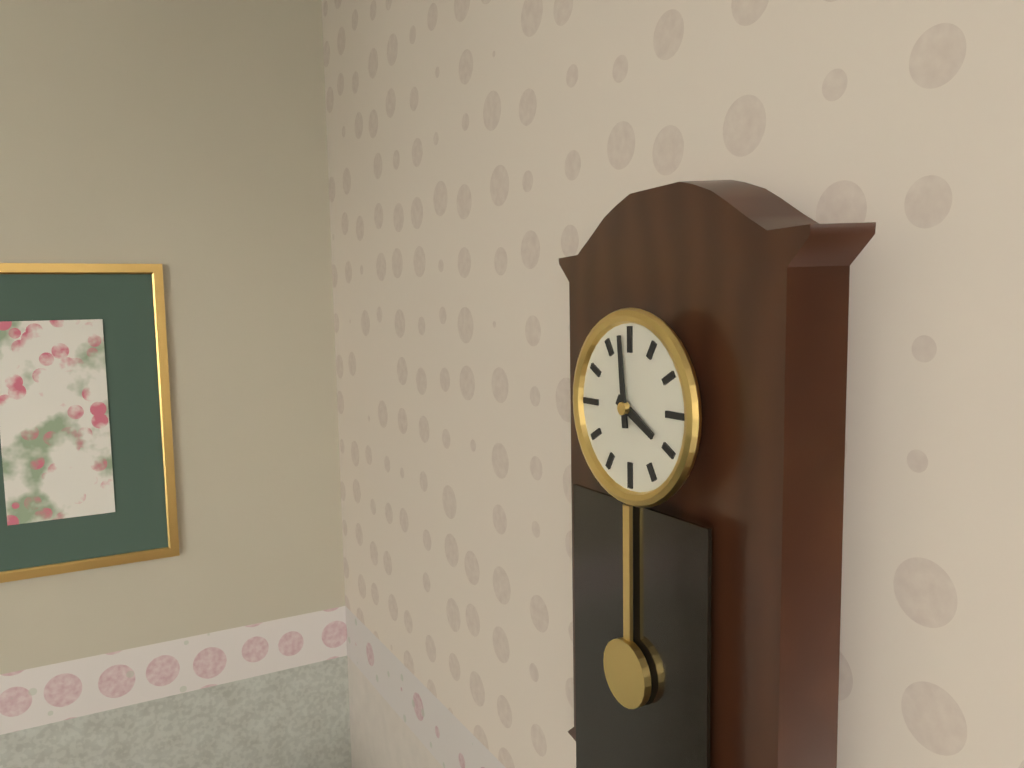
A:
3 h 59 min
